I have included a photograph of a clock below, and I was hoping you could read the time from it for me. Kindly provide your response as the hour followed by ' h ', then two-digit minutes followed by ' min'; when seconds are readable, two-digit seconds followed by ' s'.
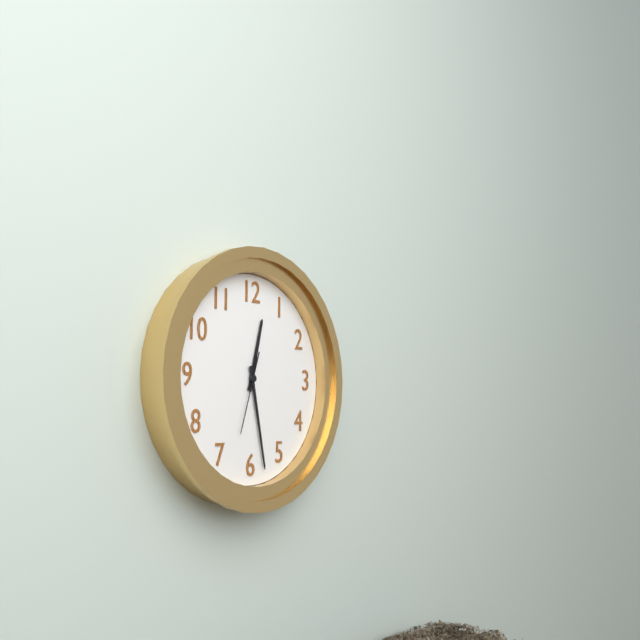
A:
12 h 28 min 33 s
